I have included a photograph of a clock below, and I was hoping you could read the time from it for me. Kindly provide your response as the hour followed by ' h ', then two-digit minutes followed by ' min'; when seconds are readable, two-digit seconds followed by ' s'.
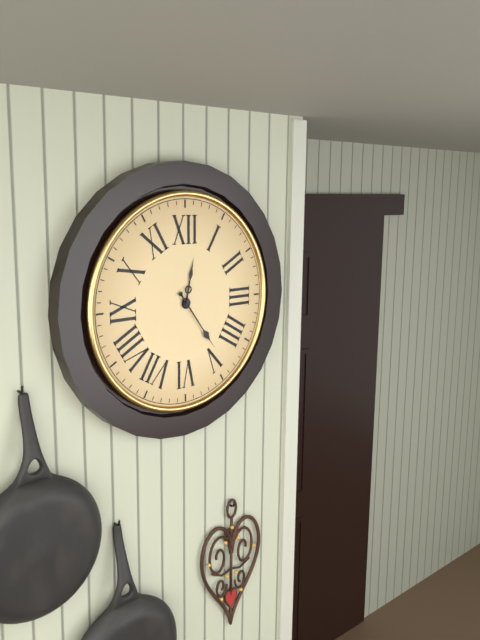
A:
12 h 24 min
